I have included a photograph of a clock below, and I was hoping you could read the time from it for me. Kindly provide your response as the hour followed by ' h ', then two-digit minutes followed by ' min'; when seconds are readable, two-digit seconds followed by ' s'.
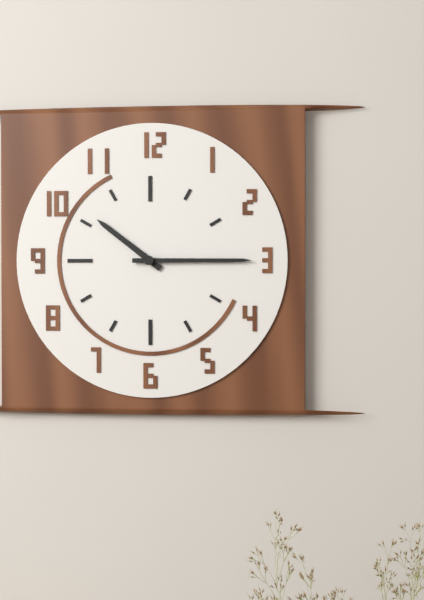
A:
10 h 15 min
